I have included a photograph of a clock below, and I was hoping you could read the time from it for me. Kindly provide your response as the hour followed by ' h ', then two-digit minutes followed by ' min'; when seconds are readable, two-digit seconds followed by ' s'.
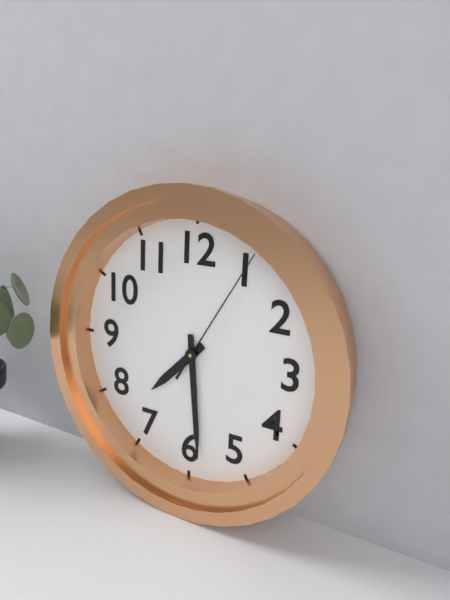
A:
7 h 29 min 05 s
